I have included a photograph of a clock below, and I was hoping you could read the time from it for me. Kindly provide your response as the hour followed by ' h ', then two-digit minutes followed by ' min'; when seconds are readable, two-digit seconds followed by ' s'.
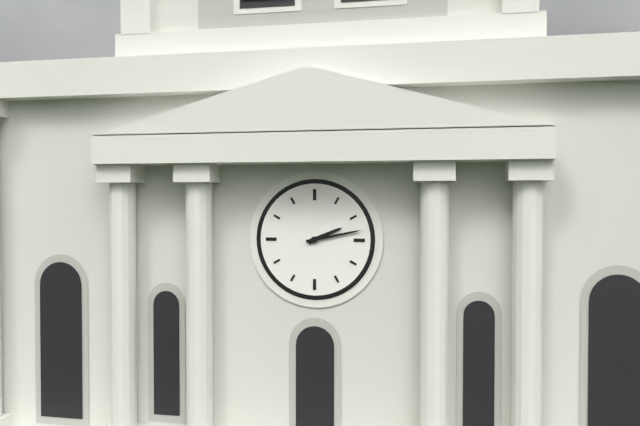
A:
2 h 13 min
